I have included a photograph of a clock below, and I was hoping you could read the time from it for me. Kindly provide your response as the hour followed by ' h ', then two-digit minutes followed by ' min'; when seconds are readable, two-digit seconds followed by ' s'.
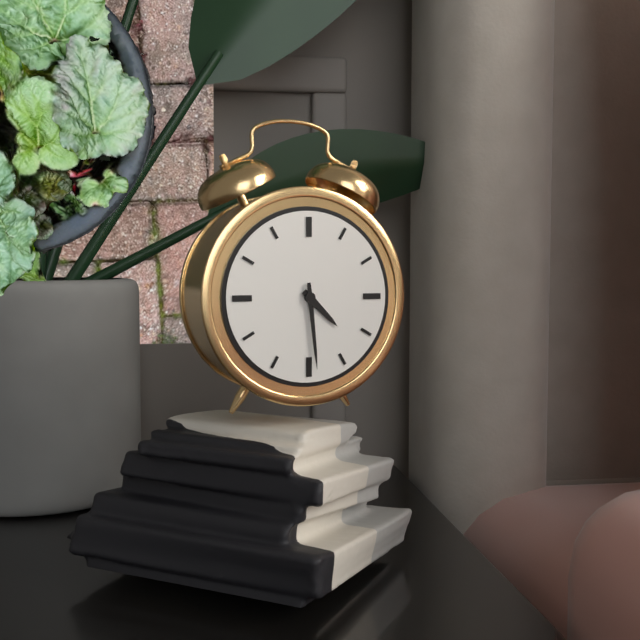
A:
4 h 29 min
